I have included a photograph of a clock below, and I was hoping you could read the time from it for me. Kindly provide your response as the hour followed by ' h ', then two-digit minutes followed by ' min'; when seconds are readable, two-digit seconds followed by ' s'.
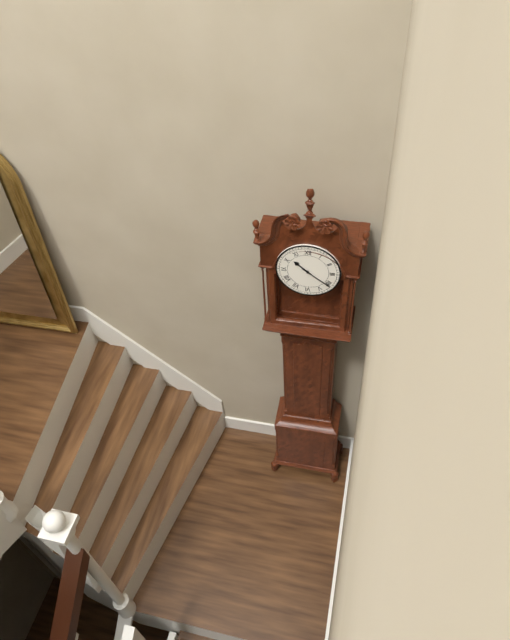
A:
10 h 21 min
